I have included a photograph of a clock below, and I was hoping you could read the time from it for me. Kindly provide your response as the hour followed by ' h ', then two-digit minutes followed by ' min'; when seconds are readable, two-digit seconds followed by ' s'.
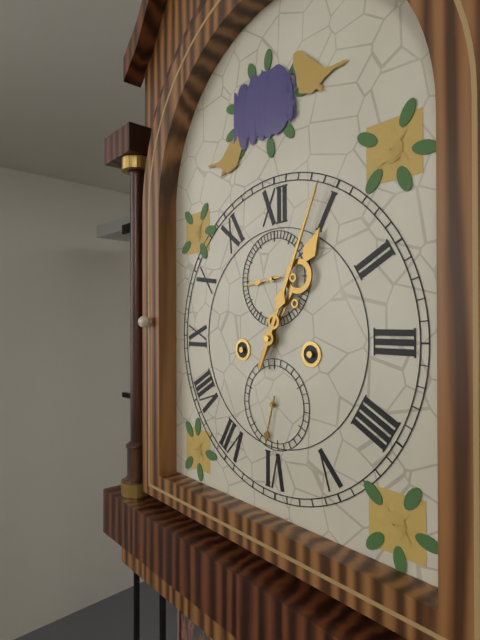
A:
1 h 04 min
